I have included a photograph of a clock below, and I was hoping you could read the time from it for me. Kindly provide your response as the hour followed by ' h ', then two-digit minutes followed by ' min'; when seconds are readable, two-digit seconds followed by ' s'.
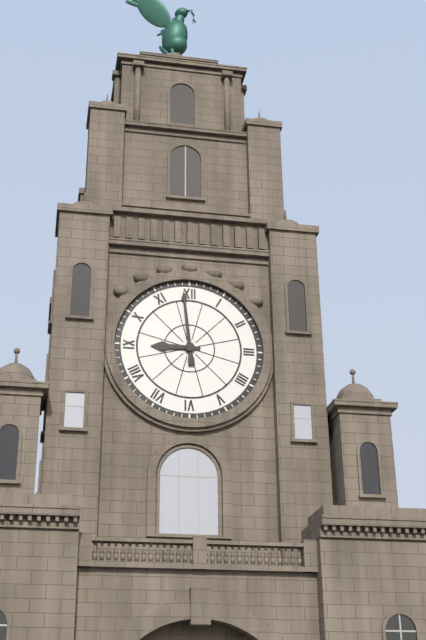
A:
8 h 59 min
